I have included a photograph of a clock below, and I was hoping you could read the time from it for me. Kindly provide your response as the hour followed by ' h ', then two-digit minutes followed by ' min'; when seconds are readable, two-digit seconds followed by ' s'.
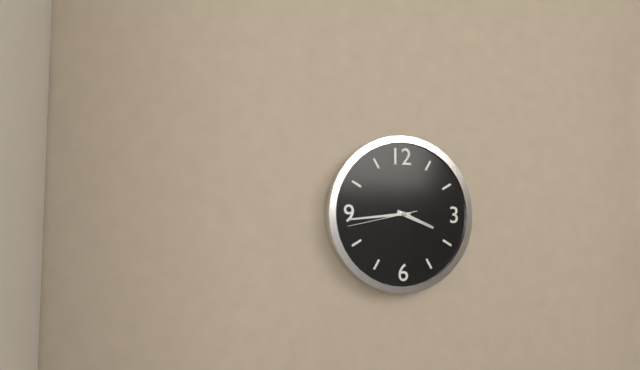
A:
3 h 44 min 43 s
